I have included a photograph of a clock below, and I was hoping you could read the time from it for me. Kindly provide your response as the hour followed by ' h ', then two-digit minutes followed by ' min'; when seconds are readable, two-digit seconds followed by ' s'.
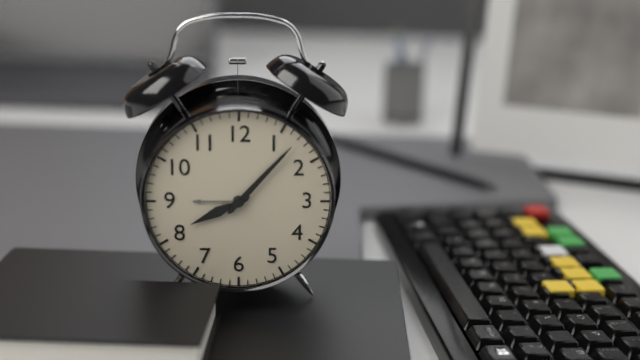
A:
8 h 07 min
